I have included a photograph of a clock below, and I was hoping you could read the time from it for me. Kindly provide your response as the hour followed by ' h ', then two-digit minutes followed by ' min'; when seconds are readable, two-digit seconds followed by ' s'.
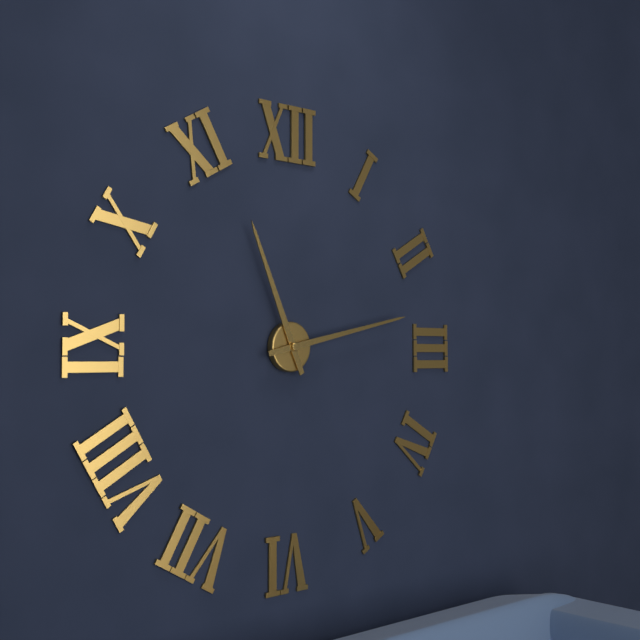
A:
11 h 13 min
